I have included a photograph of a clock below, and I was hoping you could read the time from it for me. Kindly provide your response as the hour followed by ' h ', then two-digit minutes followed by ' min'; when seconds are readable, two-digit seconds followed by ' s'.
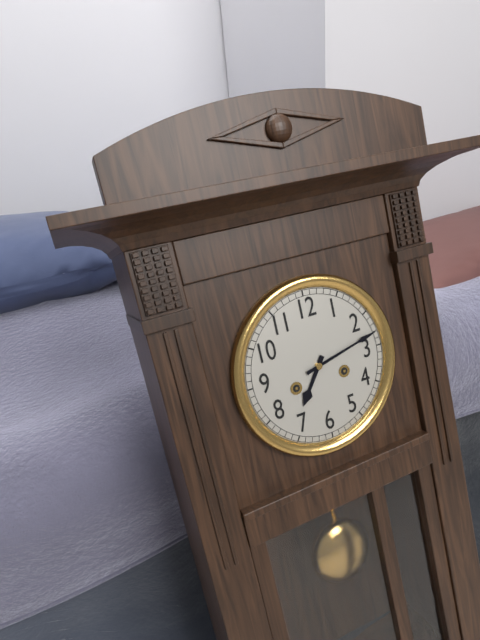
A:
7 h 13 min
